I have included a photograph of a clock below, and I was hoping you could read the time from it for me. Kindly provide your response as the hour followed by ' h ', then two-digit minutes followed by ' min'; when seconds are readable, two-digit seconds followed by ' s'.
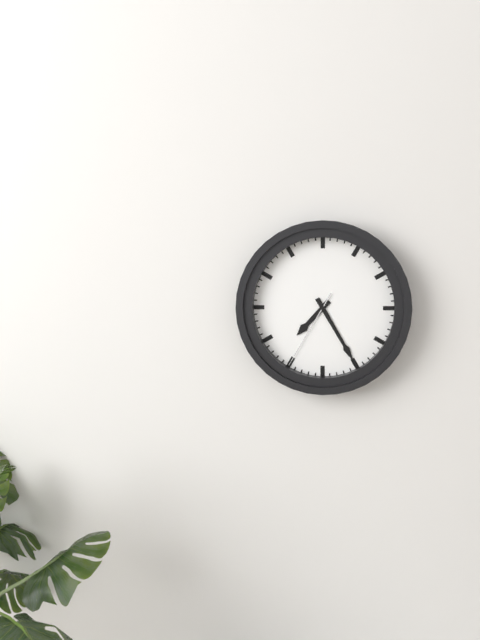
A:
7 h 25 min 35 s
